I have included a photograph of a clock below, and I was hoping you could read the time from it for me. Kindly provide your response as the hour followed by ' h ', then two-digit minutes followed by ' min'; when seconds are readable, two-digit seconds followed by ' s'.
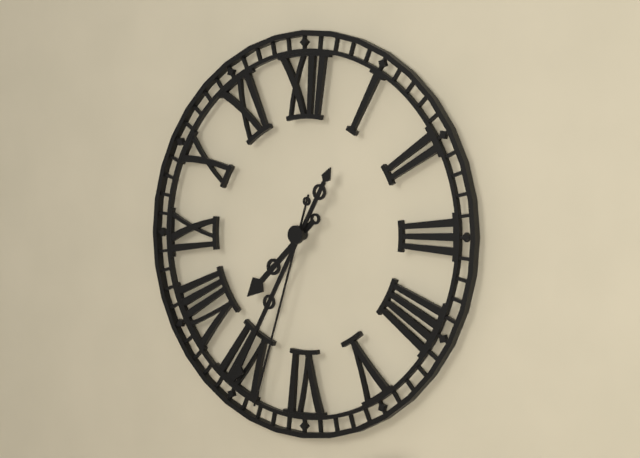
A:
7 h 35 min 33 s
